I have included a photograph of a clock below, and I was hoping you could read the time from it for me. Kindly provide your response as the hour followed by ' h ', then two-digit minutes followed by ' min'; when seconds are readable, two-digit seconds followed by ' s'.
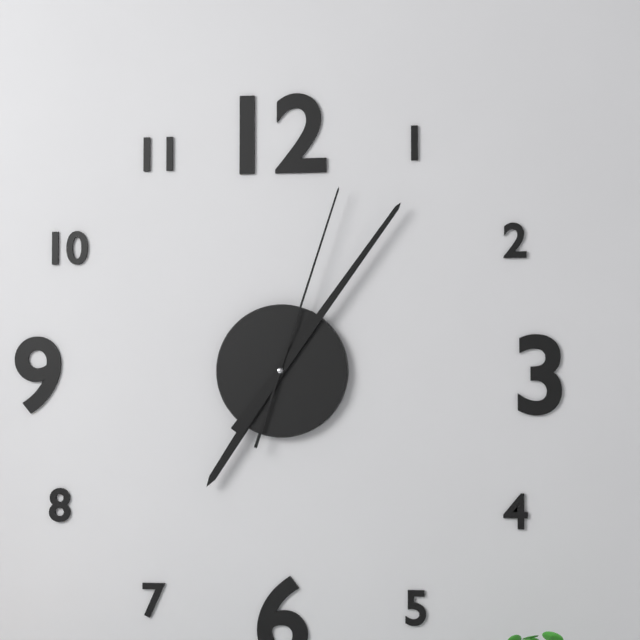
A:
7 h 06 min 03 s
